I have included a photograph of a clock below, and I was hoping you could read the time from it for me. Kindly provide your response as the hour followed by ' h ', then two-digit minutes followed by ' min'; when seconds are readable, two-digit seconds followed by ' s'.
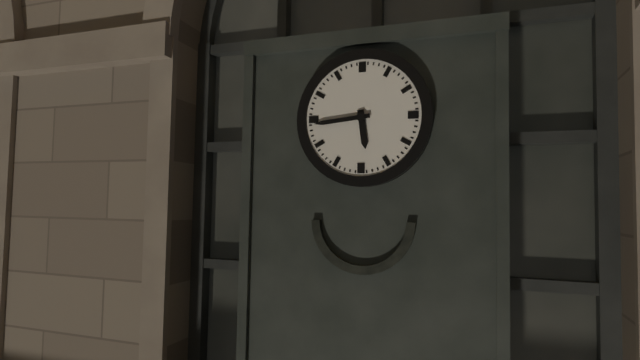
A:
5 h 44 min
